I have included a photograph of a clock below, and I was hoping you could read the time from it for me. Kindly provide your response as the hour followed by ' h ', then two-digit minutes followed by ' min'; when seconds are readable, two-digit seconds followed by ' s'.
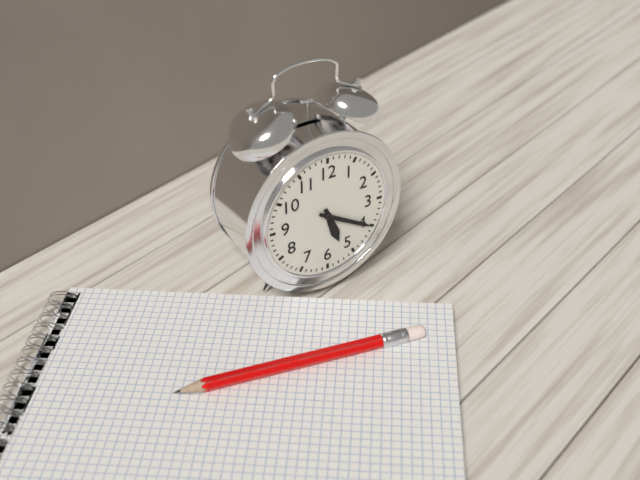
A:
5 h 20 min
